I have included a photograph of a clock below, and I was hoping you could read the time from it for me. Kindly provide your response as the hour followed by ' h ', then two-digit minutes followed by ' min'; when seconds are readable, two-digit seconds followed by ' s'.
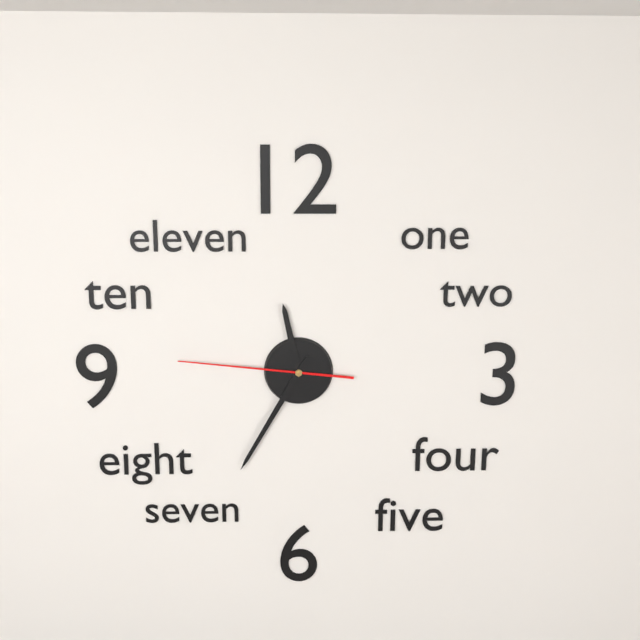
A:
11 h 35 min 46 s
